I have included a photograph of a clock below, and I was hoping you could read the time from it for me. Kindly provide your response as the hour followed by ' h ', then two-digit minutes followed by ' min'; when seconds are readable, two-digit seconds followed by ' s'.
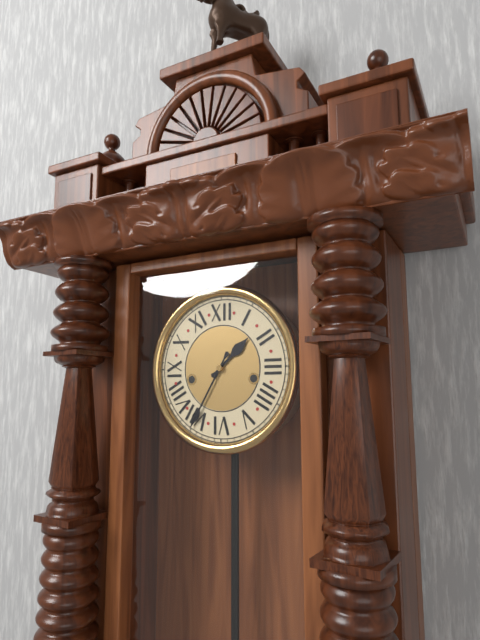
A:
1 h 35 min
